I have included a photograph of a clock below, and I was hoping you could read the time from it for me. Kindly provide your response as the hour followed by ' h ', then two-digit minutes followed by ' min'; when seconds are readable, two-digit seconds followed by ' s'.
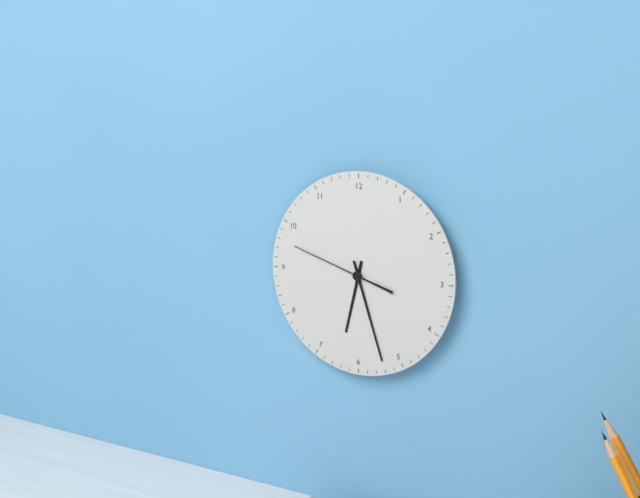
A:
6 h 27 min 48 s
